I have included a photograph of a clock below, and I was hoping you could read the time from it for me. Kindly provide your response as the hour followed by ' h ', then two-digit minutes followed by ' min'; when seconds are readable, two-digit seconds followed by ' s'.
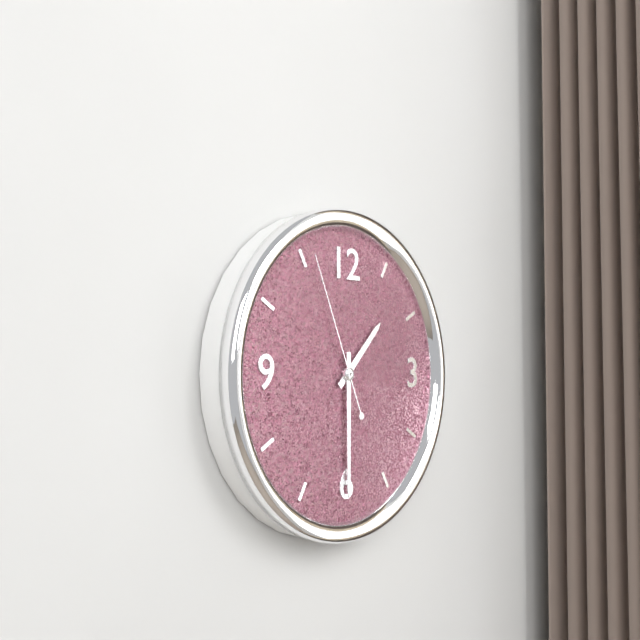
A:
1 h 30 min 56 s
